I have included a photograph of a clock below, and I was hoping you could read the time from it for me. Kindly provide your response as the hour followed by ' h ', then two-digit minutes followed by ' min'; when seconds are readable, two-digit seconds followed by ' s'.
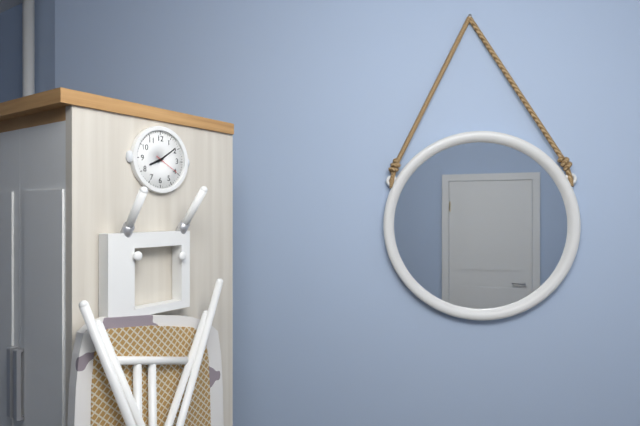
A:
8 h 09 min
